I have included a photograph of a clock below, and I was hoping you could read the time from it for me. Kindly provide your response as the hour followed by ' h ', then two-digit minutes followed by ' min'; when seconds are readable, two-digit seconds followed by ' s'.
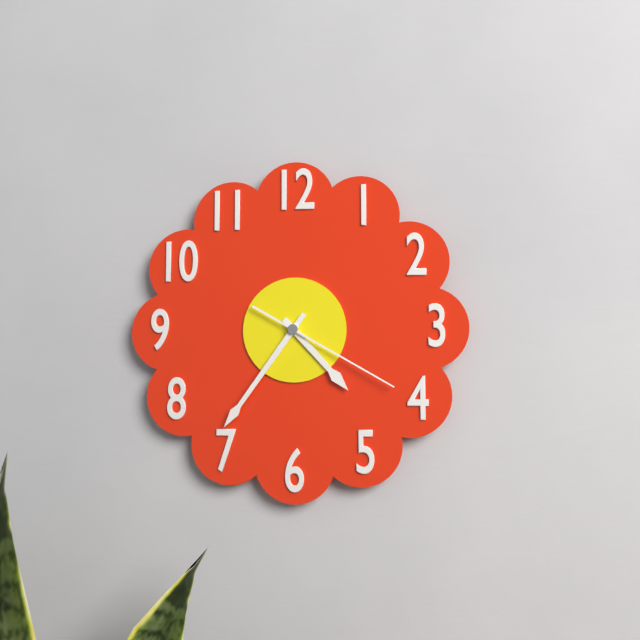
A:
4 h 36 min 20 s
